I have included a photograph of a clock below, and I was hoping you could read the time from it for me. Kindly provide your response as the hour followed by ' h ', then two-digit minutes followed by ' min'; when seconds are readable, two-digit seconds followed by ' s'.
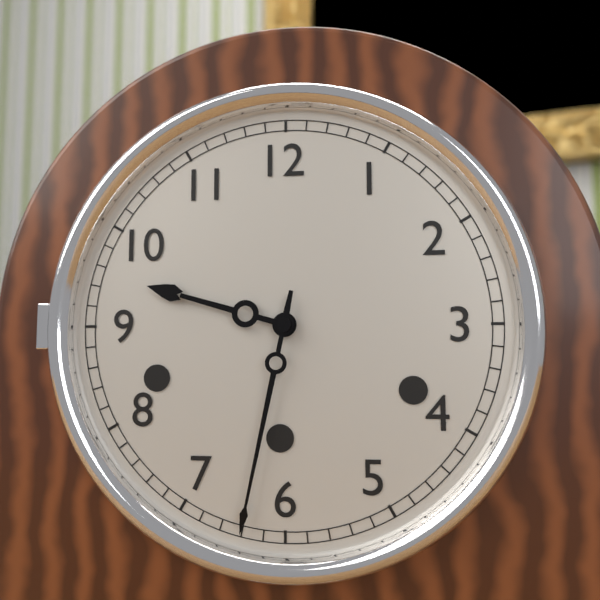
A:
9 h 32 min
